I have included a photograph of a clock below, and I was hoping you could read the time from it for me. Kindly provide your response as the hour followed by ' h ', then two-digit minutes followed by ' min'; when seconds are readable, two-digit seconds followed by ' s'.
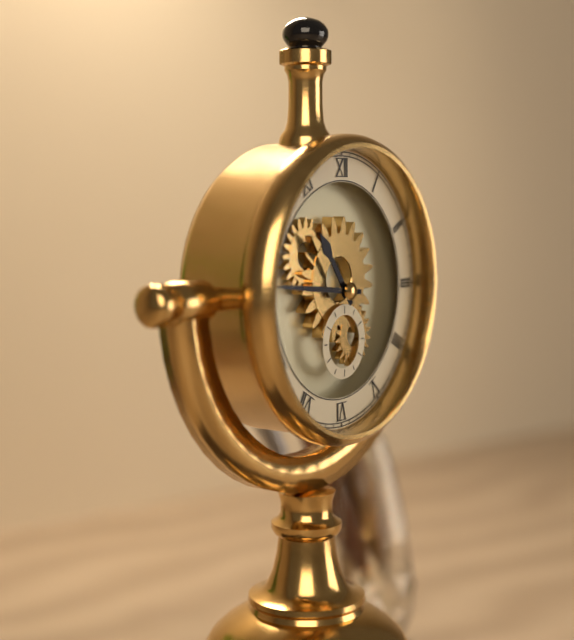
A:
10 h 46 min
